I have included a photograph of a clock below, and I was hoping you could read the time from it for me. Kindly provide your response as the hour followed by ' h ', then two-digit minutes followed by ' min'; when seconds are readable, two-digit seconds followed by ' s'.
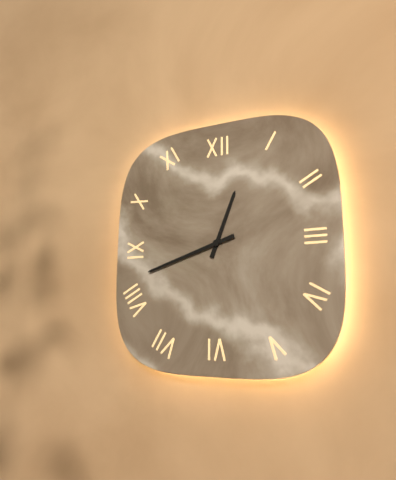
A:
12 h 42 min
